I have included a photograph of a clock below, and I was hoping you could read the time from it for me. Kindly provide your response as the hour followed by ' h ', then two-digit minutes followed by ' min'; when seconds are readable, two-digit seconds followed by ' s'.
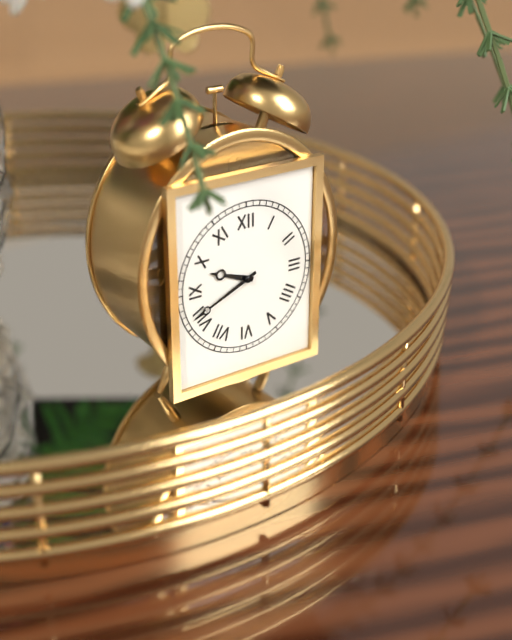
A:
9 h 41 min
